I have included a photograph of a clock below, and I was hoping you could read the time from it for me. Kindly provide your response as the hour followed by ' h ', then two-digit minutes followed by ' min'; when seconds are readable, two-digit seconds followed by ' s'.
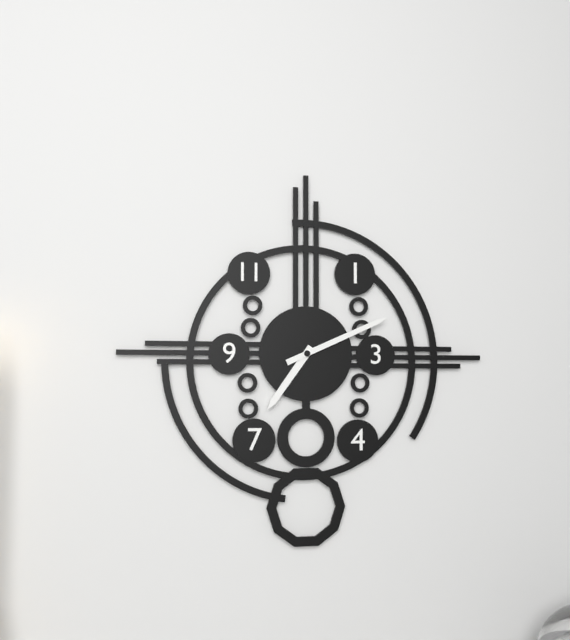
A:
7 h 11 min
